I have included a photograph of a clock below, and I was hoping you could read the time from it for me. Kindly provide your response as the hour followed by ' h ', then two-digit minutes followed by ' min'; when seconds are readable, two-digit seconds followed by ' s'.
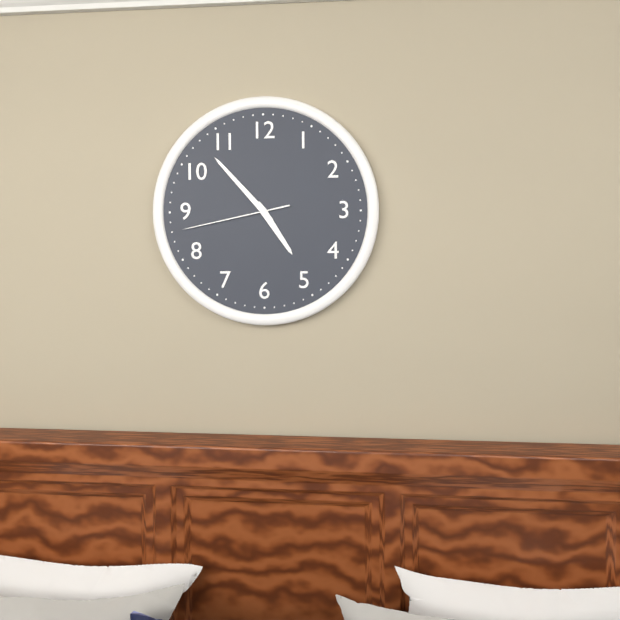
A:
4 h 53 min 43 s
